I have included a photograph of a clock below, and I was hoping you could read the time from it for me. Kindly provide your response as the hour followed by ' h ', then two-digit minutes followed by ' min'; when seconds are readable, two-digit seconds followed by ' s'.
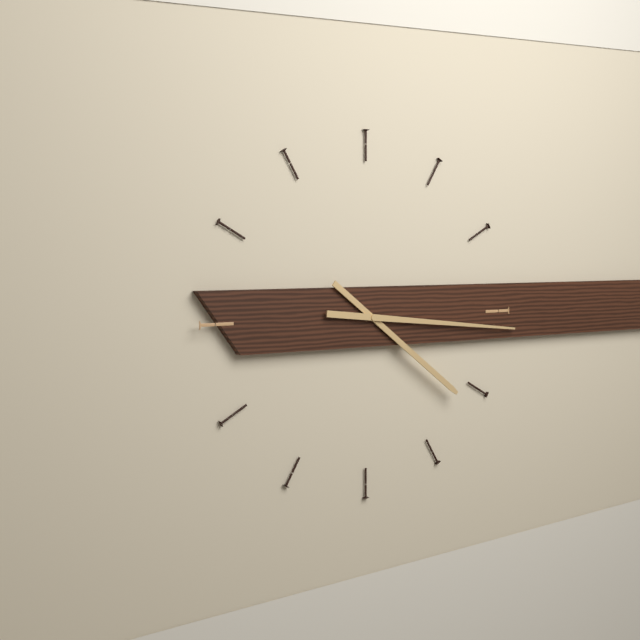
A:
4 h 16 min
